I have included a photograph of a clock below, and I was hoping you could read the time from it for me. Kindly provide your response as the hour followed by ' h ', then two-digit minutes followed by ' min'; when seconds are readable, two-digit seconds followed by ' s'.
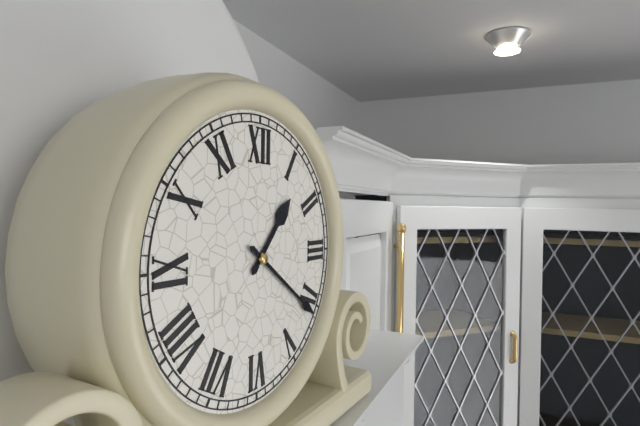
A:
1 h 21 min
